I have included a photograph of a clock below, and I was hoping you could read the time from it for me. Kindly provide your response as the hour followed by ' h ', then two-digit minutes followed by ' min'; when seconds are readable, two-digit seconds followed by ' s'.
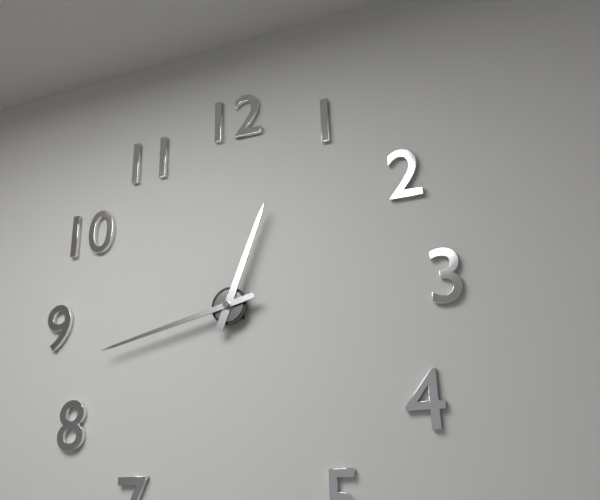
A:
12 h 43 min
